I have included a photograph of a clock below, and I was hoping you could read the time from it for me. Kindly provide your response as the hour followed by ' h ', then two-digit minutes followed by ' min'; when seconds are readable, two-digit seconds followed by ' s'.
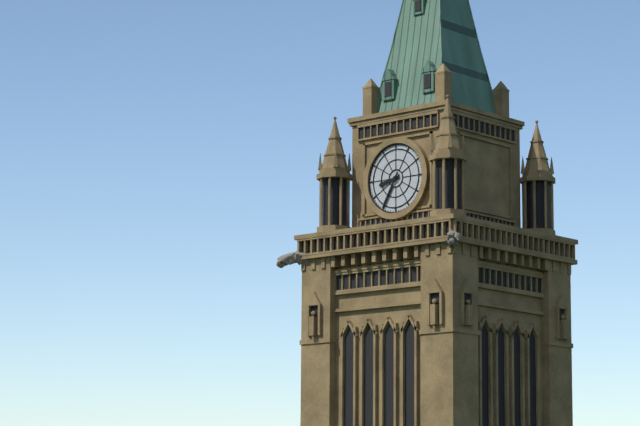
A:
8 h 35 min
